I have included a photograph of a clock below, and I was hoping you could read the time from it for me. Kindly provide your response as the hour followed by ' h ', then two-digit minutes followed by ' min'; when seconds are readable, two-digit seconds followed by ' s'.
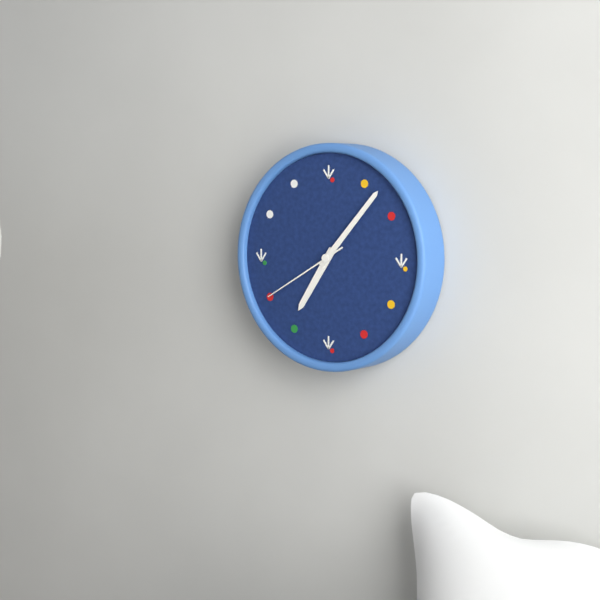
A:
7 h 07 min 40 s
